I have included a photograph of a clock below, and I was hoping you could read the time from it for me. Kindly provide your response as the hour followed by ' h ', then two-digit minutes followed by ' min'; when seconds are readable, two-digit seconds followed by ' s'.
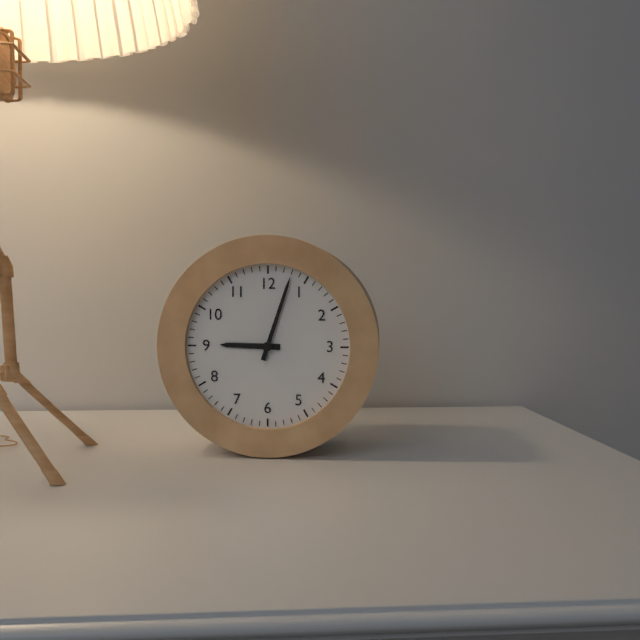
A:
9 h 03 min
